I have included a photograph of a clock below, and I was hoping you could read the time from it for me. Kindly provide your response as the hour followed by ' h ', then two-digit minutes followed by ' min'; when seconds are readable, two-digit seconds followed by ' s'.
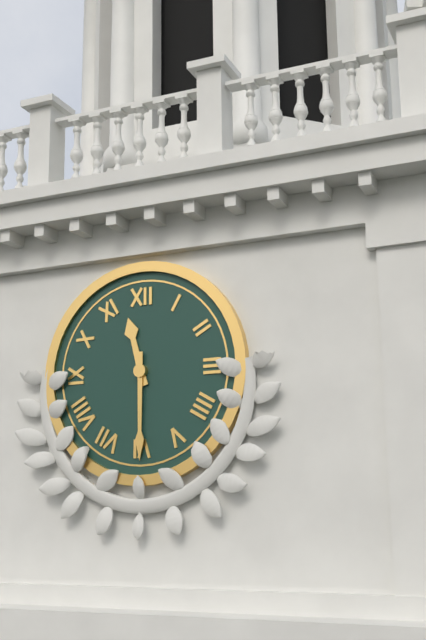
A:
11 h 30 min
